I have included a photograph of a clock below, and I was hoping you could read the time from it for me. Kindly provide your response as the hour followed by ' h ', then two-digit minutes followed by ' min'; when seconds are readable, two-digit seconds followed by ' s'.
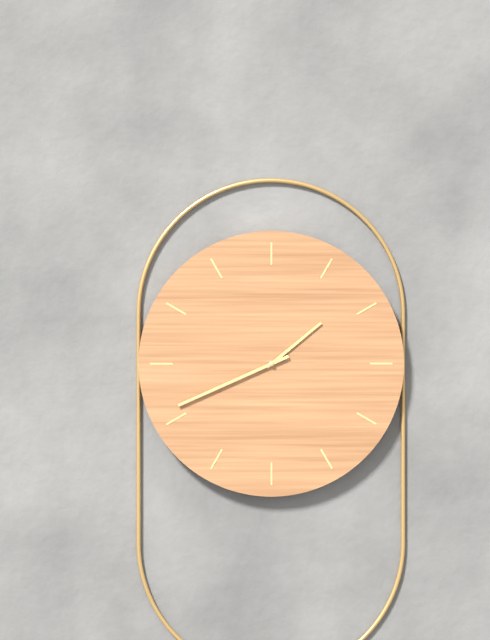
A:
1 h 41 min
